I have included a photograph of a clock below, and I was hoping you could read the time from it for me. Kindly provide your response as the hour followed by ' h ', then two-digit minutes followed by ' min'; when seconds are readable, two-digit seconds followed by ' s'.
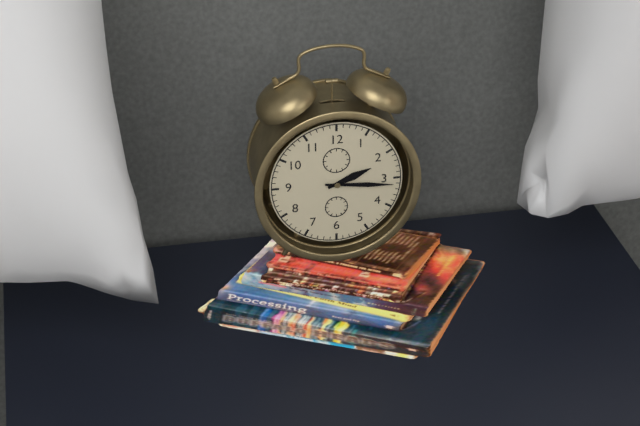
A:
2 h 16 min
